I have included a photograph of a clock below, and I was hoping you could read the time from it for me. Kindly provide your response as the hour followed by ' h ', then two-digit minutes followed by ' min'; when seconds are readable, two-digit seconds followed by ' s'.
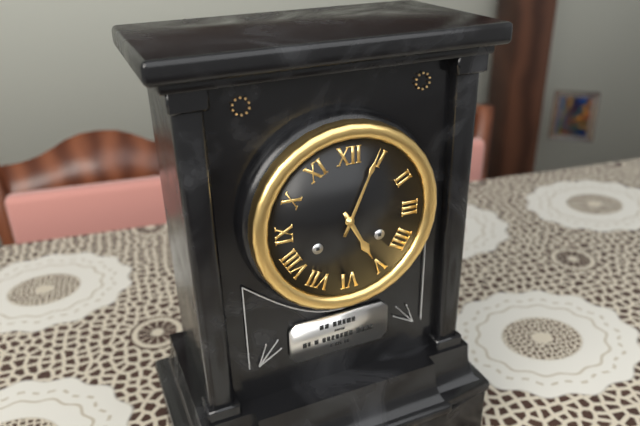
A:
5 h 04 min
